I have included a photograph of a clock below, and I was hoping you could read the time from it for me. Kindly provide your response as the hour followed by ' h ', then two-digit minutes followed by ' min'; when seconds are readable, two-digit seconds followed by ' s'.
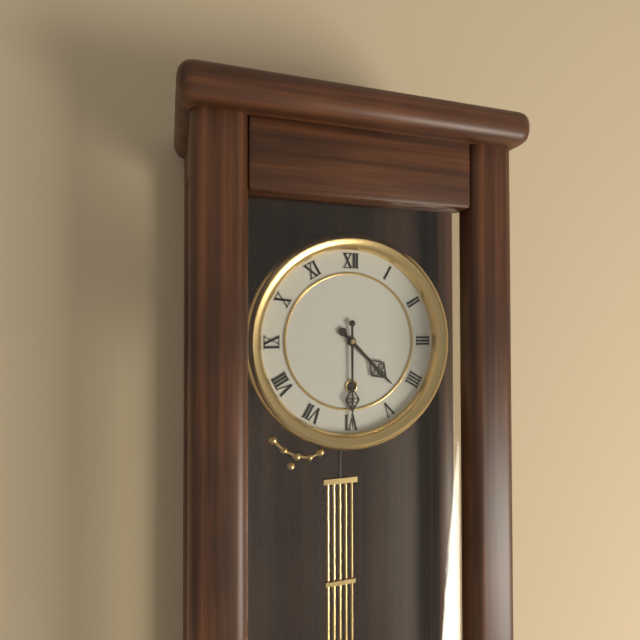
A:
4 h 30 min
